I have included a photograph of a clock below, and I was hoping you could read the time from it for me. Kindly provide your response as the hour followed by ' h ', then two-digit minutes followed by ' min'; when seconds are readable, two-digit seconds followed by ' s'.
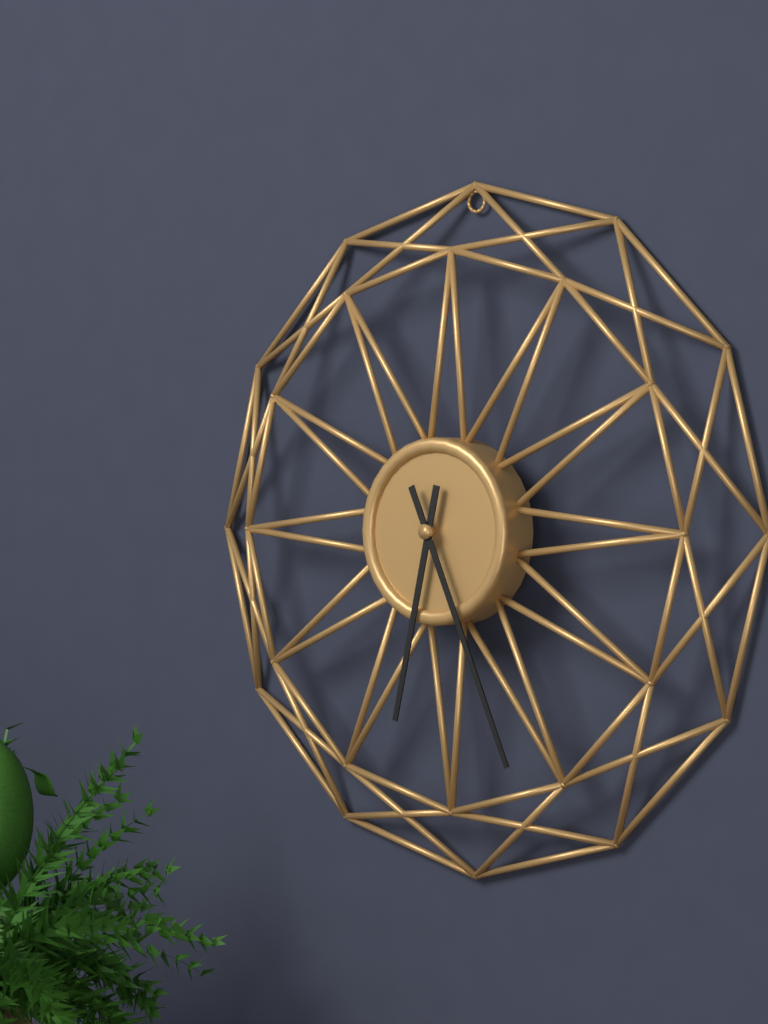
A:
6 h 26 min
